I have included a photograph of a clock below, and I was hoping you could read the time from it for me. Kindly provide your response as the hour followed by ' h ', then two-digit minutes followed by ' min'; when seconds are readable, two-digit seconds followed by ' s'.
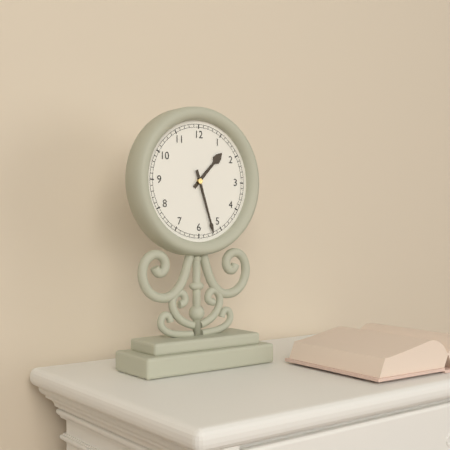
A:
1 h 27 min
